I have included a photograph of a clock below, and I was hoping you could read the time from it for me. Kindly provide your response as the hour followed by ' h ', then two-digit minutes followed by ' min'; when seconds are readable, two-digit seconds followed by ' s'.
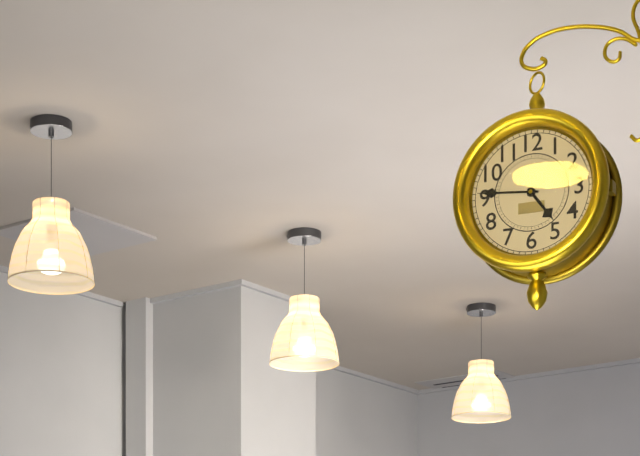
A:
4 h 46 min
